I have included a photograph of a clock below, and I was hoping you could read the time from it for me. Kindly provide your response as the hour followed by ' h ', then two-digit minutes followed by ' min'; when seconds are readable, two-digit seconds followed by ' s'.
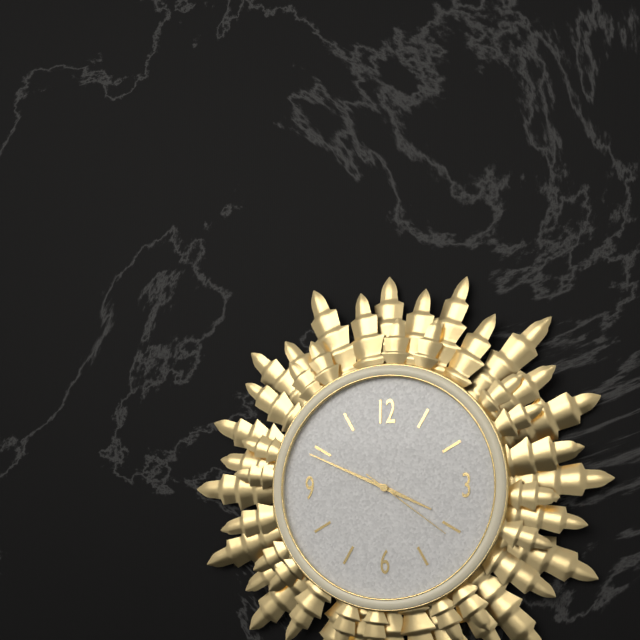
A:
3 h 49 min 21 s
